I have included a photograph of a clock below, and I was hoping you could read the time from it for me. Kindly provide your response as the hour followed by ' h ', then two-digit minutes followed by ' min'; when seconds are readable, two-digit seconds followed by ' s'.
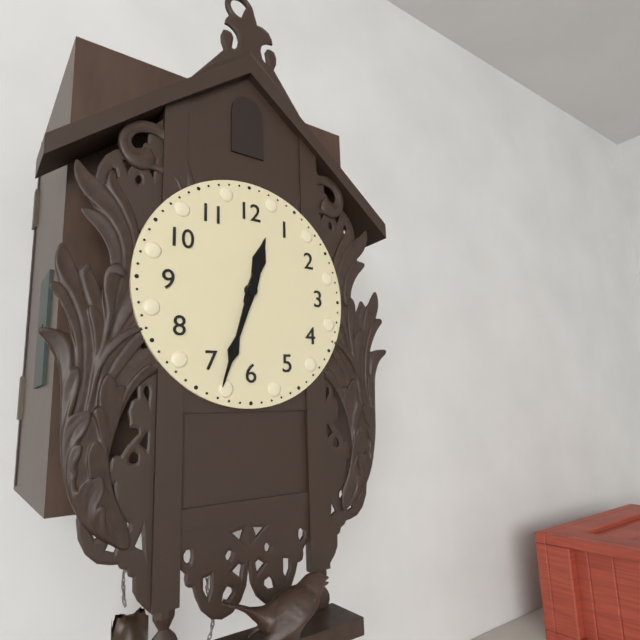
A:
12 h 33 min
